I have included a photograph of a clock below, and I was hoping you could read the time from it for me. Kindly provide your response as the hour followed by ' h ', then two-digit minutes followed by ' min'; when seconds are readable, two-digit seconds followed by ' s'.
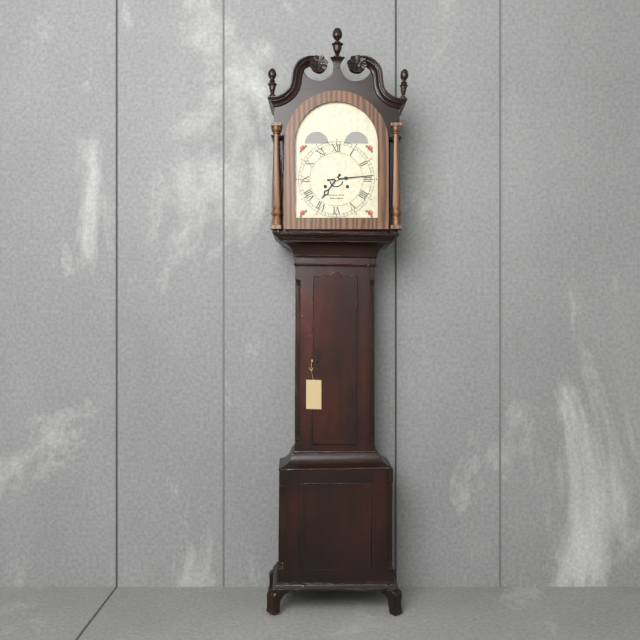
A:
7 h 14 min
